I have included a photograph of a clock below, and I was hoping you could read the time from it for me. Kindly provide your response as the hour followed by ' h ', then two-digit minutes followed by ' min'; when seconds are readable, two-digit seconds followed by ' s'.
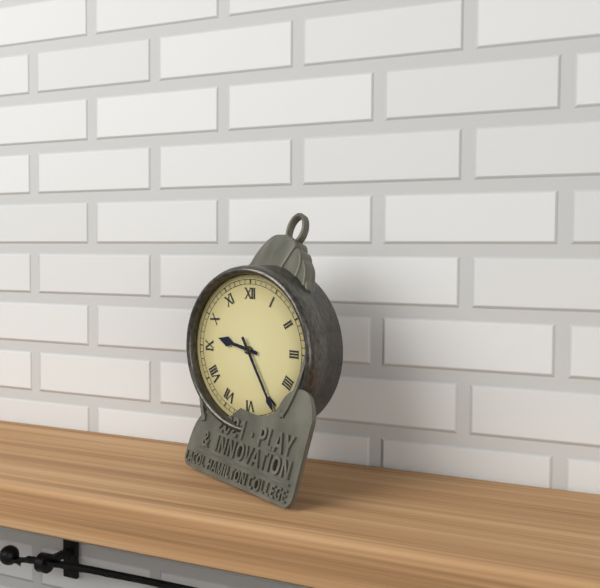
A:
9 h 25 min
